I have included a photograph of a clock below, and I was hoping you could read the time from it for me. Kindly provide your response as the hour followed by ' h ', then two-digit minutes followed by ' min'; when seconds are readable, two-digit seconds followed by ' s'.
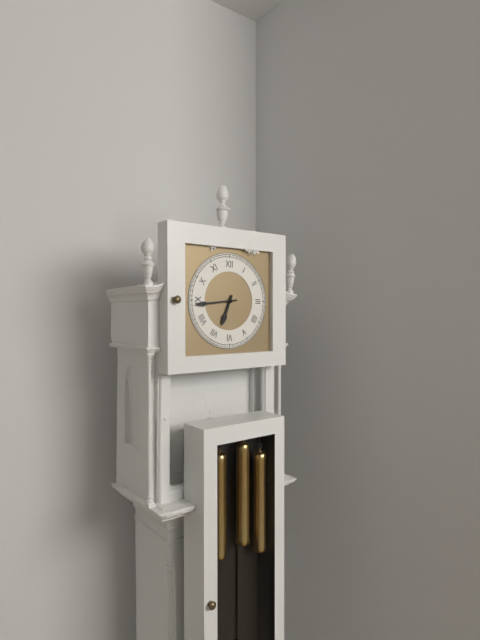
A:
6 h 44 min
